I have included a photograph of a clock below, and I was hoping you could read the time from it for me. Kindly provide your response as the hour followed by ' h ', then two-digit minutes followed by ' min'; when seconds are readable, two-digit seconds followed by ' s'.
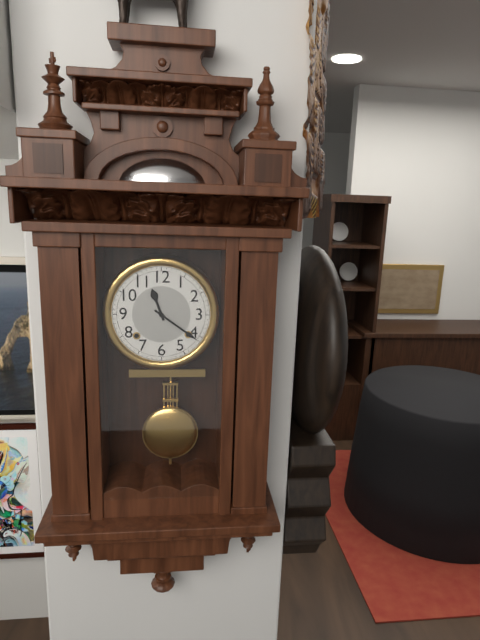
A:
11 h 21 min
